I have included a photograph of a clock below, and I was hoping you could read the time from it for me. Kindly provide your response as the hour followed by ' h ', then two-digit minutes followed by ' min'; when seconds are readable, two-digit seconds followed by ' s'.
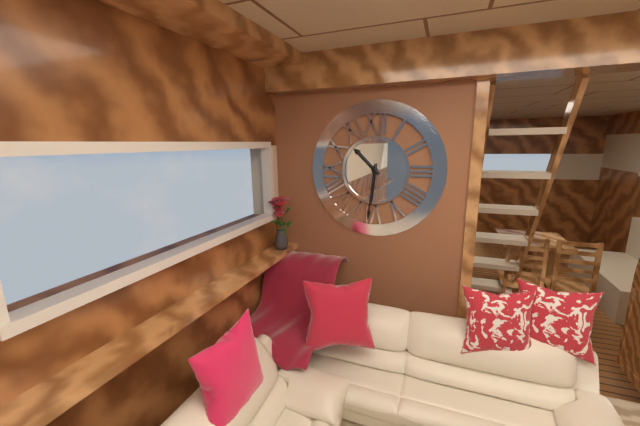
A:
10 h 31 min
